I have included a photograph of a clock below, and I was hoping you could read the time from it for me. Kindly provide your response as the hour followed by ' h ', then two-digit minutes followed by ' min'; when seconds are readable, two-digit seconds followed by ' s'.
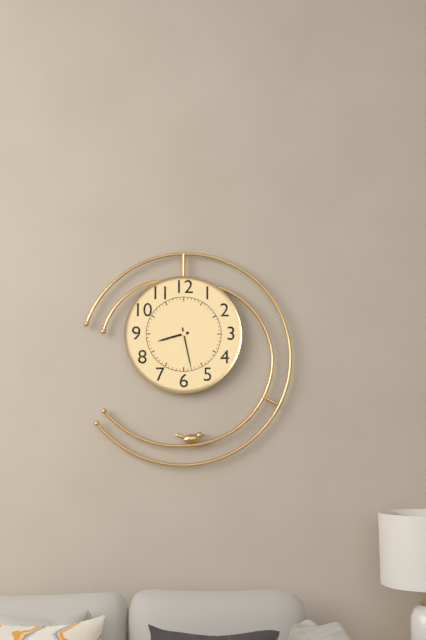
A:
8 h 28 min
